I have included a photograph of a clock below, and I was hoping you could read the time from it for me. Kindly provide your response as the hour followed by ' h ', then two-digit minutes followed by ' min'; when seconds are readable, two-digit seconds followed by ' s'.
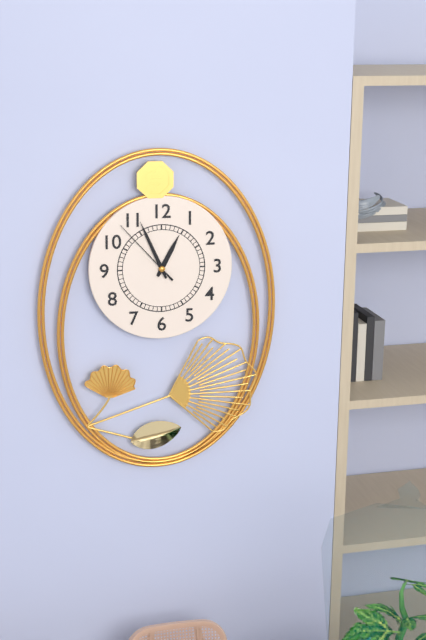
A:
12 h 56 min 53 s
